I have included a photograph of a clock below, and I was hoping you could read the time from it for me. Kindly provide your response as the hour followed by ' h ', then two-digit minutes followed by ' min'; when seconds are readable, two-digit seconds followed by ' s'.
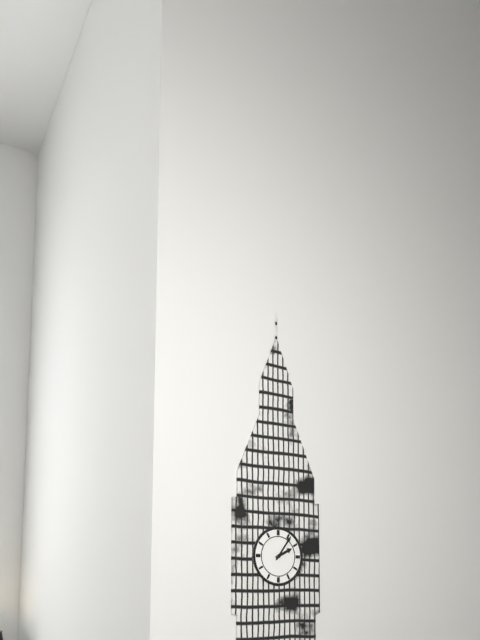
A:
2 h 06 min
